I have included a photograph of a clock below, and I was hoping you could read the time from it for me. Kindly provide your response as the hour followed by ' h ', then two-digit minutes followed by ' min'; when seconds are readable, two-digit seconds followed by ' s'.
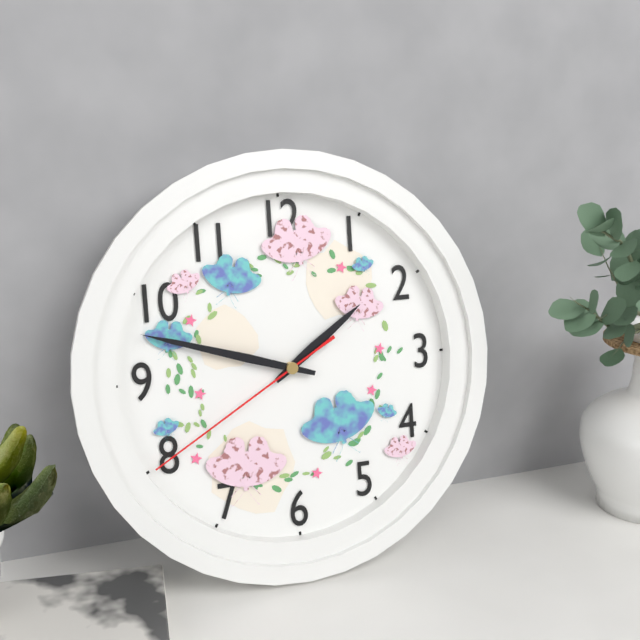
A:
1 h 48 min 40 s
